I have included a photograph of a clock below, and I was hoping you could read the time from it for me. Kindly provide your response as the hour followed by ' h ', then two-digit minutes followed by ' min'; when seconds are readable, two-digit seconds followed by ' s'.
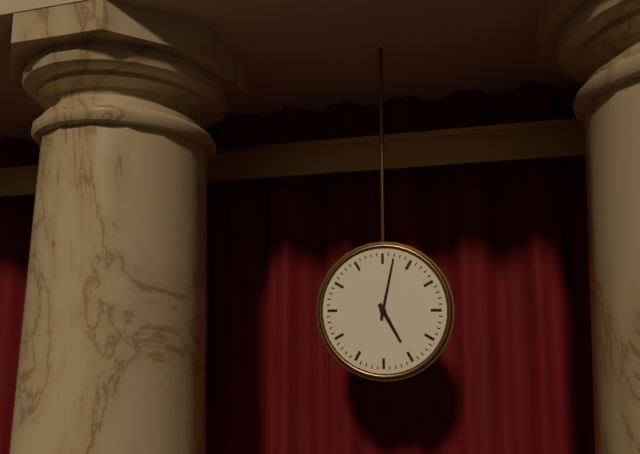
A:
5 h 02 min
